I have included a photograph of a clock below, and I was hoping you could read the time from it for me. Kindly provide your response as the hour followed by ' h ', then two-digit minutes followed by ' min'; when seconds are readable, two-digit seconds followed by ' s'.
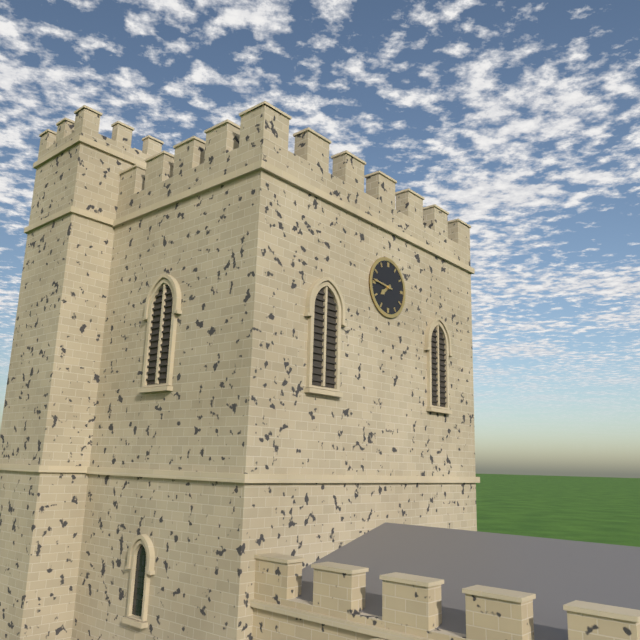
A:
7 h 46 min
